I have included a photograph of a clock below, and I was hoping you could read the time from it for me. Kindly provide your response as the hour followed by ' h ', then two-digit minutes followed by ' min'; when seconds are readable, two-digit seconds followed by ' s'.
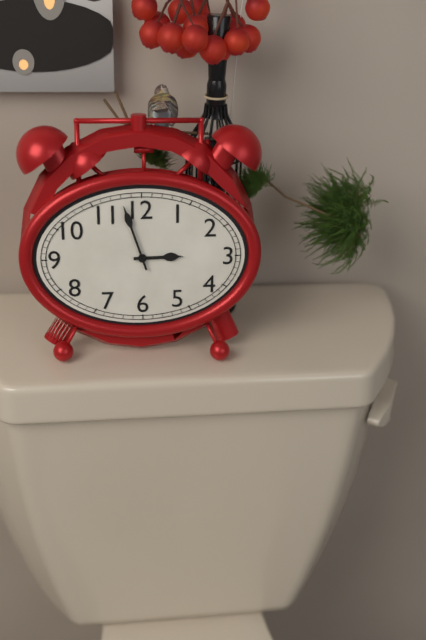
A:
2 h 57 min
